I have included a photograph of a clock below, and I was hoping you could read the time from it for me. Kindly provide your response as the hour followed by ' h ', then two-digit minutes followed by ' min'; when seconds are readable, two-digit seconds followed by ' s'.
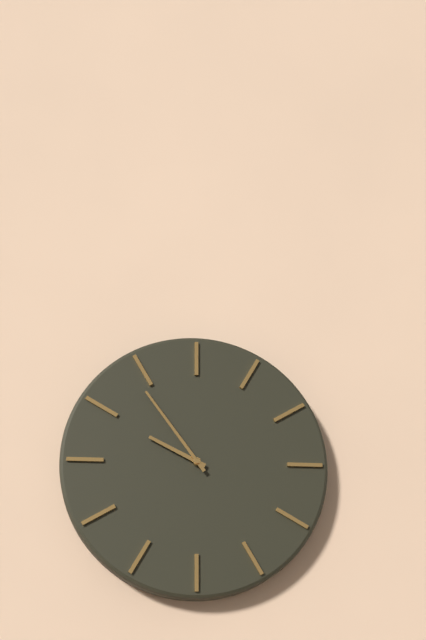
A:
9 h 54 min
